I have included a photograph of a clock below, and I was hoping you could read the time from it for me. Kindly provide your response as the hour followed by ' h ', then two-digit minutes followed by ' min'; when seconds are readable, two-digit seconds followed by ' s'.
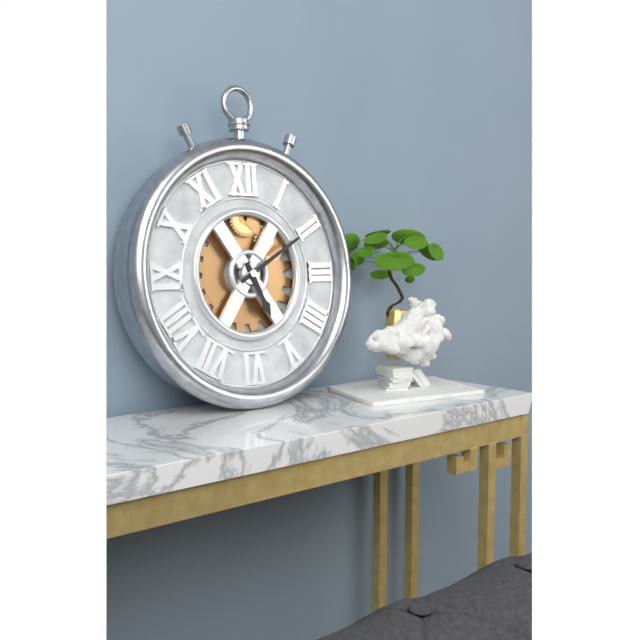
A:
5 h 10 min
